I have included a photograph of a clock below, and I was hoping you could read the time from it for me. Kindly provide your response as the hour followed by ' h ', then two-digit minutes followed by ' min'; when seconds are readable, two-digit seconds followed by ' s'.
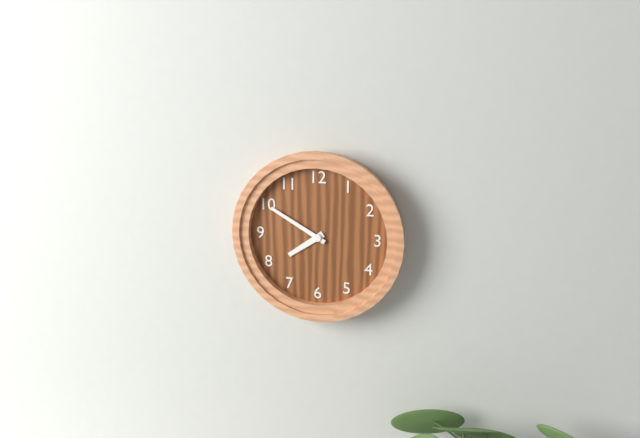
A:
7 h 50 min
